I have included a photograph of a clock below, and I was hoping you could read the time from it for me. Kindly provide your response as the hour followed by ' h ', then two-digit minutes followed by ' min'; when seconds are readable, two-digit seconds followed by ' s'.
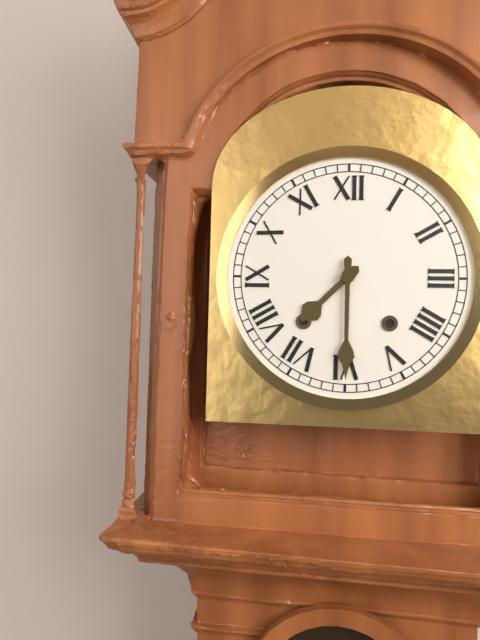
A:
7 h 30 min
